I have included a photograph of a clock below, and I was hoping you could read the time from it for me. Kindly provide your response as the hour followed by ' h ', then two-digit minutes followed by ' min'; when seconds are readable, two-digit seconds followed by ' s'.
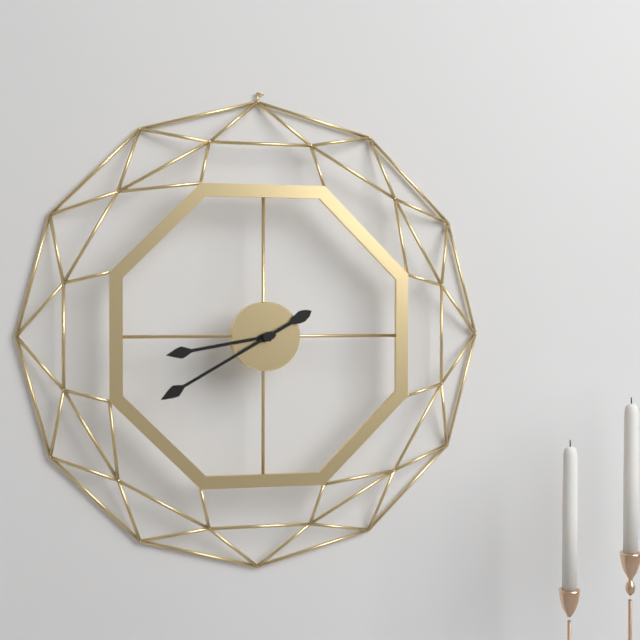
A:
8 h 40 min
